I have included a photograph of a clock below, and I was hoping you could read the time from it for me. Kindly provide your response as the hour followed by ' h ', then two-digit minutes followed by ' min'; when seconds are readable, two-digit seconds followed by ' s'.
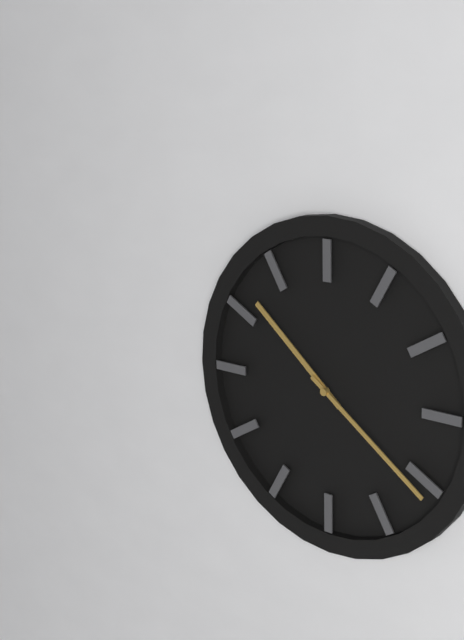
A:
10 h 21 min
